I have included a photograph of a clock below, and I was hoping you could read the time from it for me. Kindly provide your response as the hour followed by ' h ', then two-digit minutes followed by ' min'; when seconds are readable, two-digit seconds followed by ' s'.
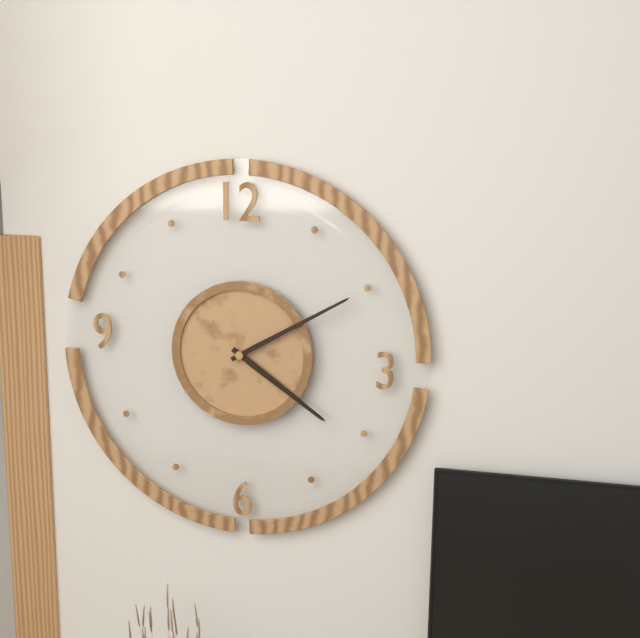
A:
4 h 10 min
